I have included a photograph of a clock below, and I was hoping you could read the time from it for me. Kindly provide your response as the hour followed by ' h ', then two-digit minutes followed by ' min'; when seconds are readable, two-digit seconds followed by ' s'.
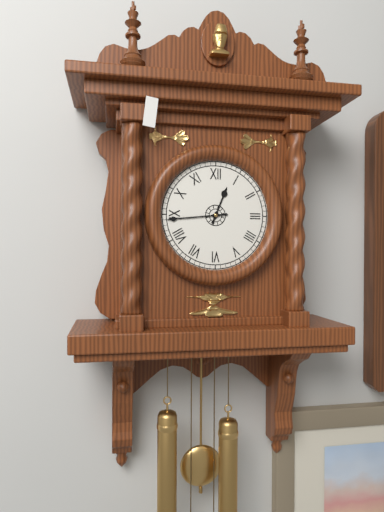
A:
12 h 44 min
